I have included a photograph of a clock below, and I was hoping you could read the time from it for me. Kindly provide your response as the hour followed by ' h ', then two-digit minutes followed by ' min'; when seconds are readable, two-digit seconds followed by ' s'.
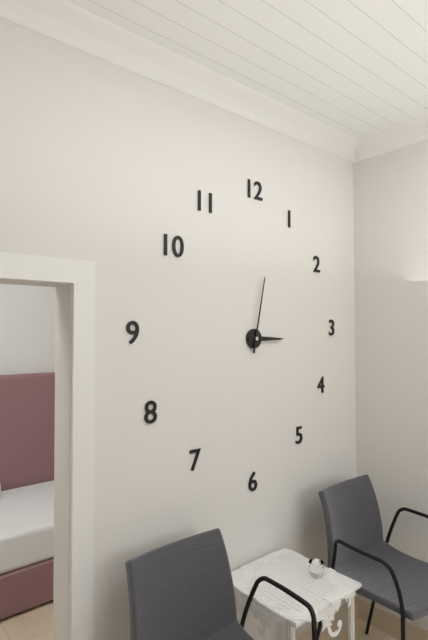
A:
3 h 02 min
